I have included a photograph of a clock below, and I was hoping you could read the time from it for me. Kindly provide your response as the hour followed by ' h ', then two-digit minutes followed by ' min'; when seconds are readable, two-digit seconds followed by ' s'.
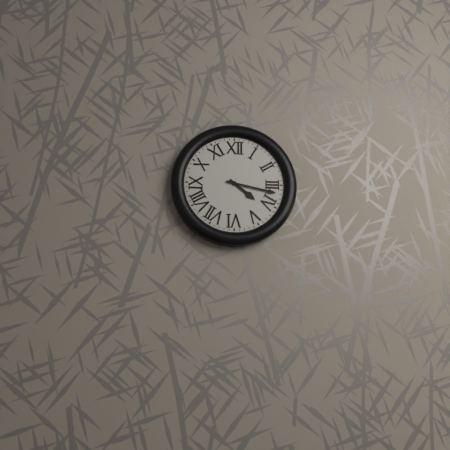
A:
4 h 17 min
